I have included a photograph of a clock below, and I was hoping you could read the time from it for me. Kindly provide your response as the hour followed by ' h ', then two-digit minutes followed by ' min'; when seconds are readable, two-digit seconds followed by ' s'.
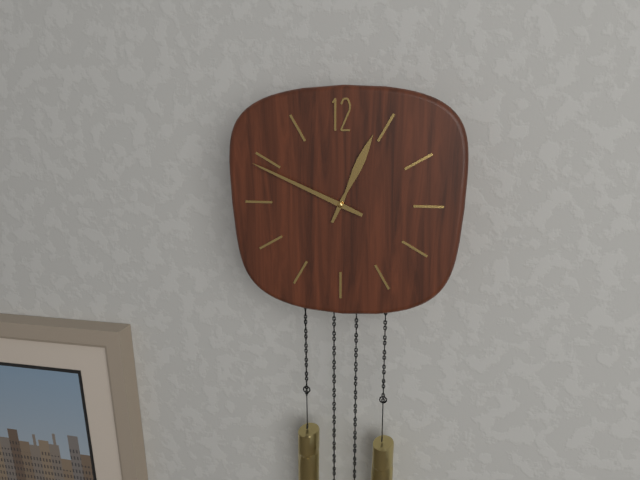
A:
12 h 49 min
